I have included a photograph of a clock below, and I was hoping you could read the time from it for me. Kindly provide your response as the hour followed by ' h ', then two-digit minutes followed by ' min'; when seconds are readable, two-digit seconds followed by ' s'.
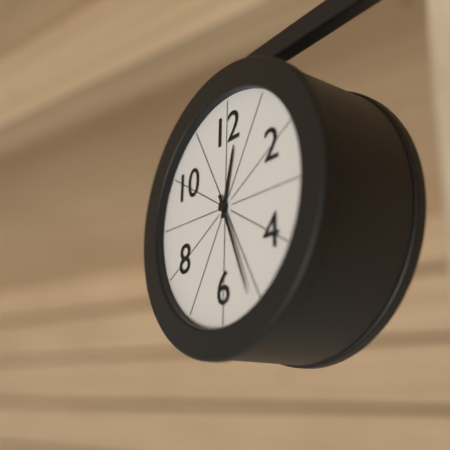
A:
12 h 26 min
